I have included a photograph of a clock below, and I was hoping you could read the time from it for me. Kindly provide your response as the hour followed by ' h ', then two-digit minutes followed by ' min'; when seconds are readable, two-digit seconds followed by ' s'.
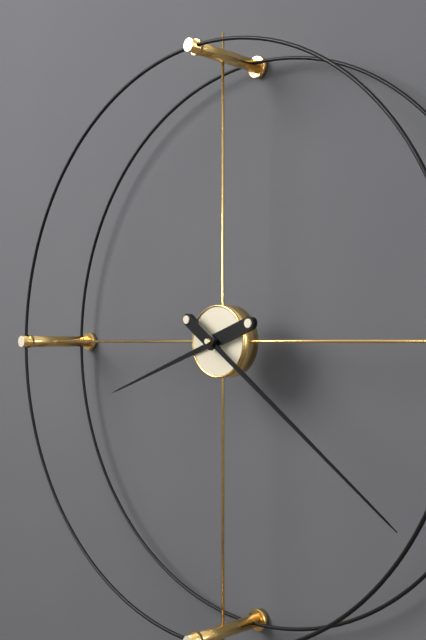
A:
8 h 21 min
